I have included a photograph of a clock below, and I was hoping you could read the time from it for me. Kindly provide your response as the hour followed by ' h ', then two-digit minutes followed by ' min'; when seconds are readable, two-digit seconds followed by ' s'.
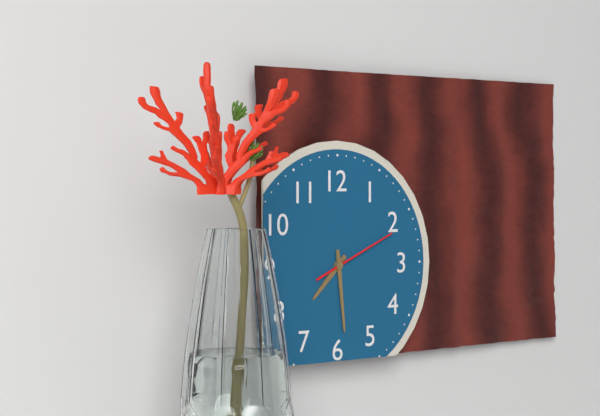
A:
7 h 29 min 11 s
